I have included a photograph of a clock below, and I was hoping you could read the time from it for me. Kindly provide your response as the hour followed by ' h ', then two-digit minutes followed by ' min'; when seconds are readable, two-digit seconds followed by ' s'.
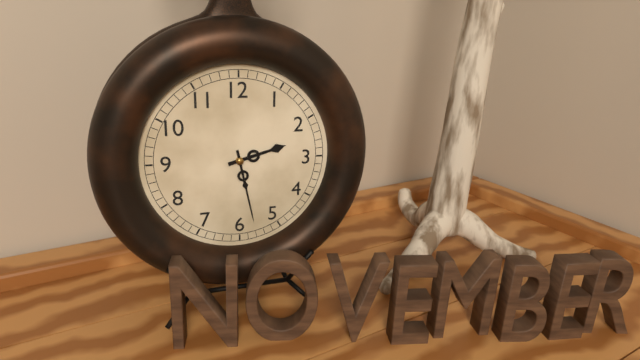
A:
2 h 28 min
